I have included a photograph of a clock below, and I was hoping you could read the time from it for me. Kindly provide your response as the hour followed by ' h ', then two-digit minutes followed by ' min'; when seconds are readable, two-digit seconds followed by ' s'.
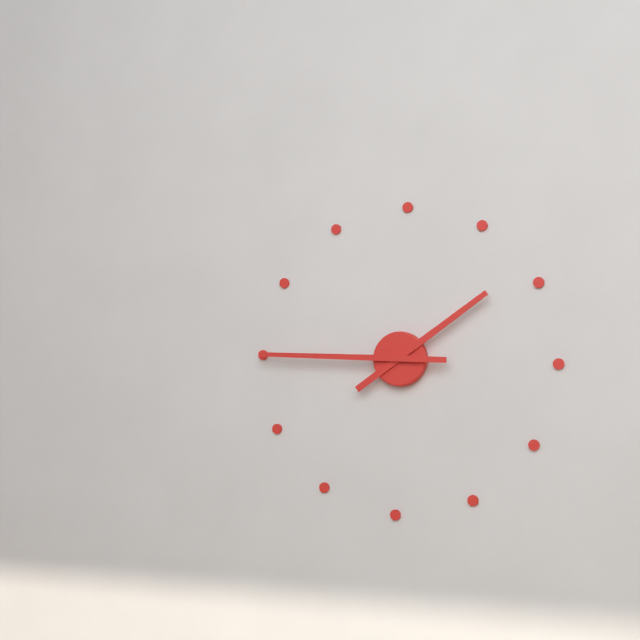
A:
1 h 45 min
